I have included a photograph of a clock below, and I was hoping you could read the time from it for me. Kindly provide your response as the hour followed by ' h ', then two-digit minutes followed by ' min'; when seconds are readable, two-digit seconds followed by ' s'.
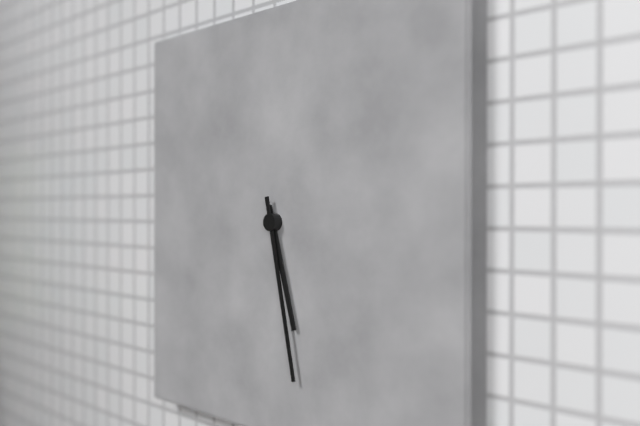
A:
5 h 28 min
